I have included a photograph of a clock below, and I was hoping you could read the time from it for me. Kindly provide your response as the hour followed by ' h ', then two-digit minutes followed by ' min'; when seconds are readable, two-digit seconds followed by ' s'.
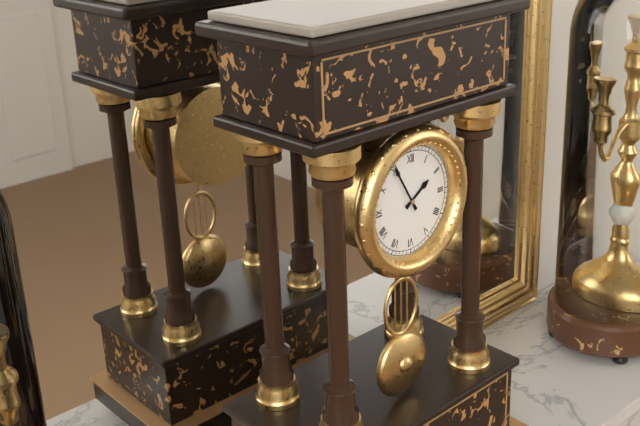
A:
1 h 55 min
